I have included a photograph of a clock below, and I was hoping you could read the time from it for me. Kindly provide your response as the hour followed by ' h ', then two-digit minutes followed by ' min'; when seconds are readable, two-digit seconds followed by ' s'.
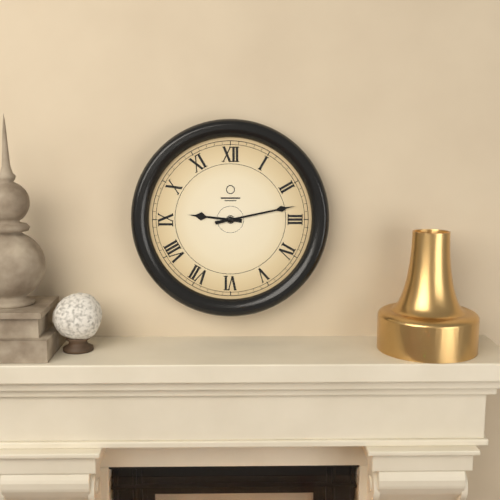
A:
9 h 13 min
